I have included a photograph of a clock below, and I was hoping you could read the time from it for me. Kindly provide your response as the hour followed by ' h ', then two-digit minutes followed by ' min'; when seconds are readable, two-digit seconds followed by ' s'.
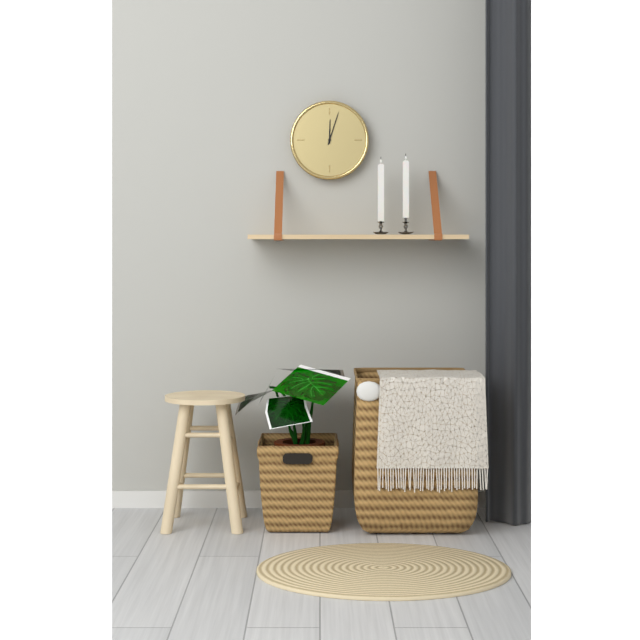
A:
12 h 03 min
